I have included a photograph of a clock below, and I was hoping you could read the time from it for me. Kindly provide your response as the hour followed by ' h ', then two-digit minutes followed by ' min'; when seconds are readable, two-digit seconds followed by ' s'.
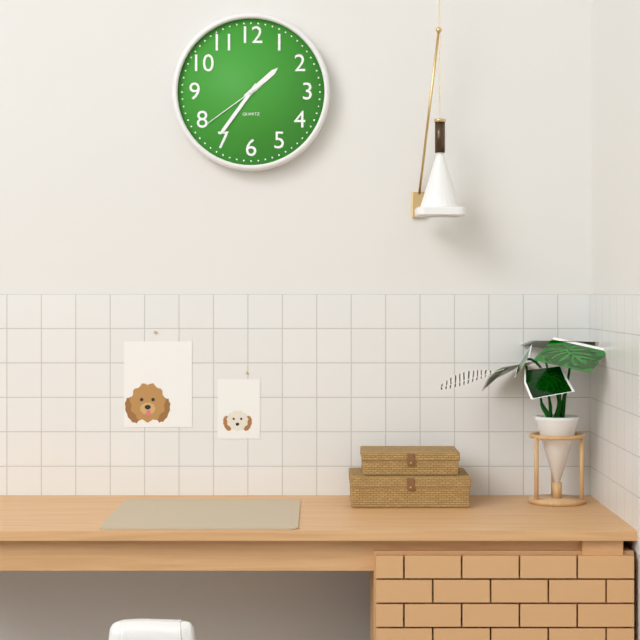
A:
1 h 36 min 39 s
